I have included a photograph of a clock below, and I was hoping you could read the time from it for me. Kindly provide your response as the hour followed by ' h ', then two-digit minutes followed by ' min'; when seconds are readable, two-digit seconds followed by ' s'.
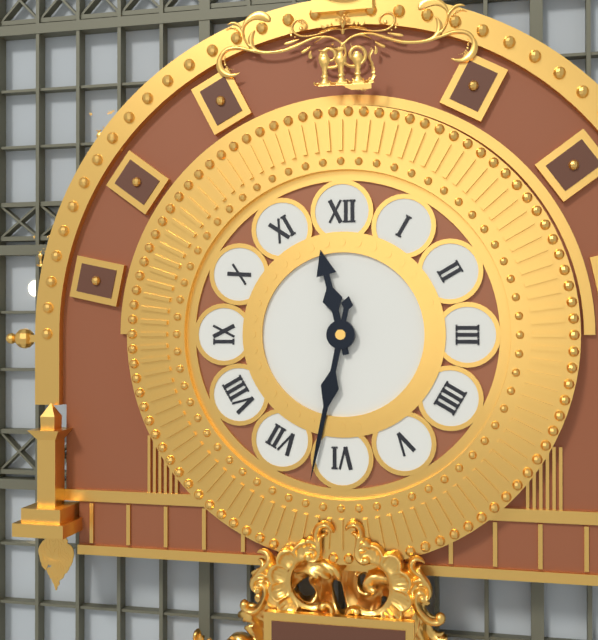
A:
11 h 32 min
